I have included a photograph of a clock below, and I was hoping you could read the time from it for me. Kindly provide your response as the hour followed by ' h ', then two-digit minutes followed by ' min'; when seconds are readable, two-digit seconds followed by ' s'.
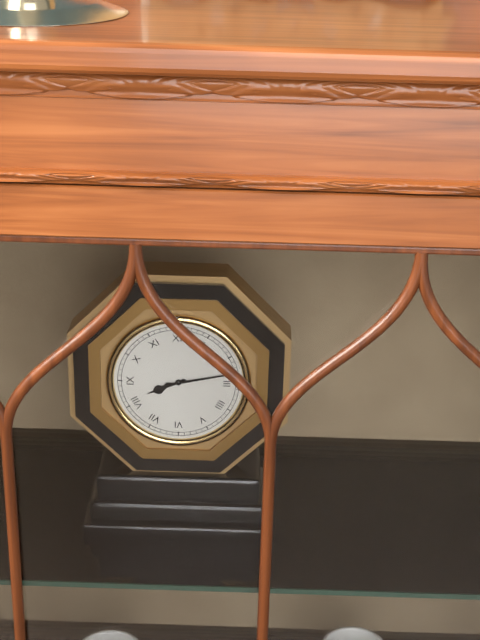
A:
8 h 13 min
